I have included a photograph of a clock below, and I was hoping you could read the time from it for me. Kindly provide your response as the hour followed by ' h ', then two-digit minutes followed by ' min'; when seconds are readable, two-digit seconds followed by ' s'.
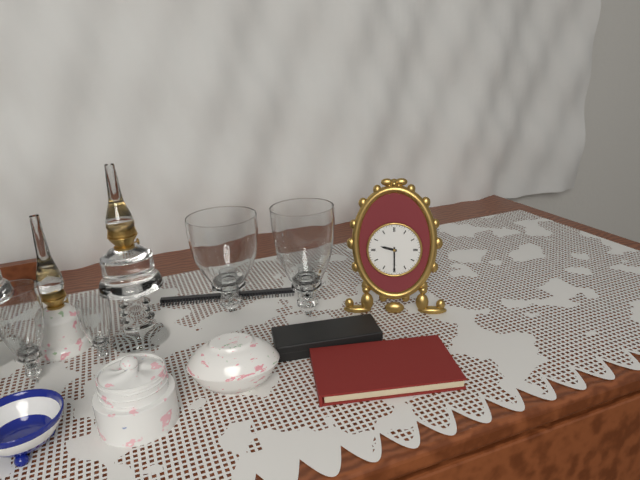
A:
9 h 30 min
